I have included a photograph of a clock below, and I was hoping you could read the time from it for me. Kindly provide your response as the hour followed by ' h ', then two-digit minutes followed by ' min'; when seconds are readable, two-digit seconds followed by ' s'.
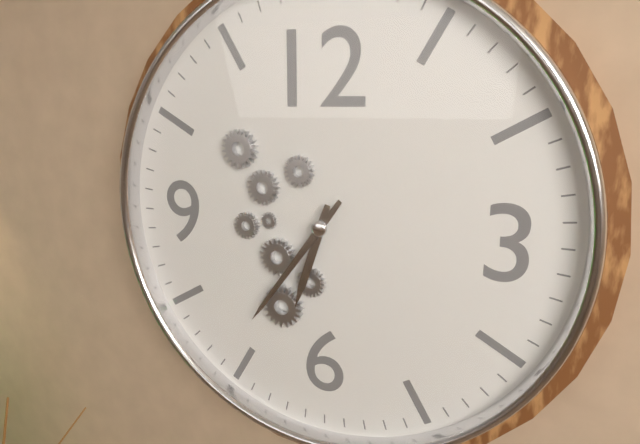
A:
6 h 36 min
